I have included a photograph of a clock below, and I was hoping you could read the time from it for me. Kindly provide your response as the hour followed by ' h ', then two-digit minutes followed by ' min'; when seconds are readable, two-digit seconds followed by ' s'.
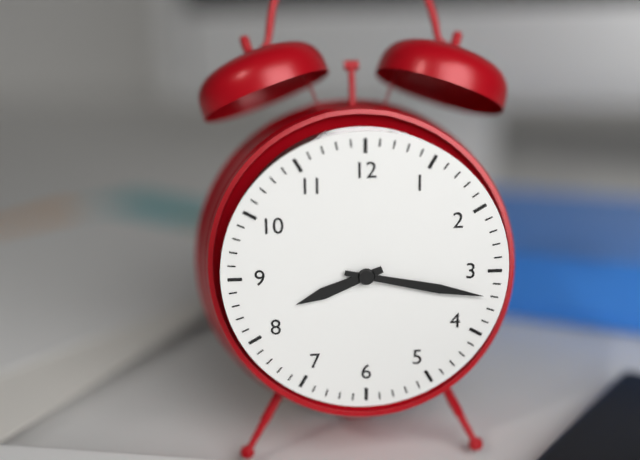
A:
8 h 17 min
